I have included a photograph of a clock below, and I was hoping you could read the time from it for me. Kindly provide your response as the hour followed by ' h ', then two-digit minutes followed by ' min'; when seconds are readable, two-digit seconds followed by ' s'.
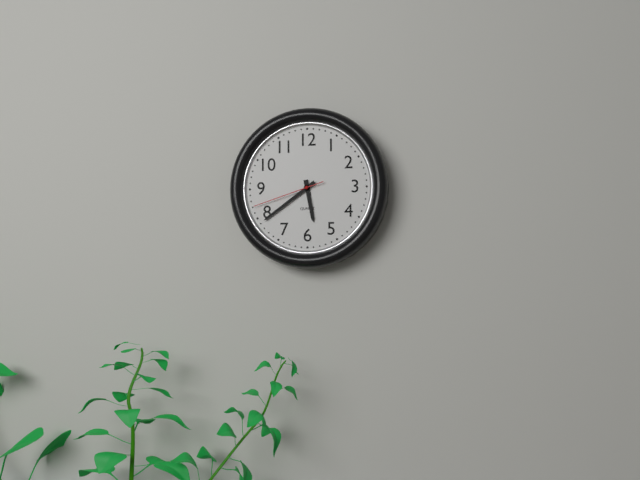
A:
5 h 39 min 42 s
